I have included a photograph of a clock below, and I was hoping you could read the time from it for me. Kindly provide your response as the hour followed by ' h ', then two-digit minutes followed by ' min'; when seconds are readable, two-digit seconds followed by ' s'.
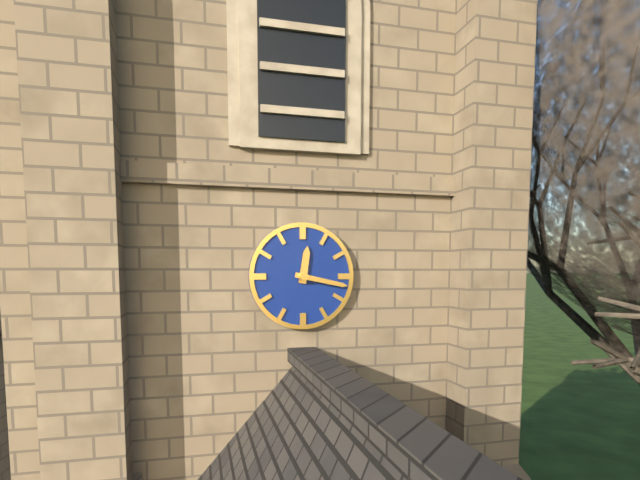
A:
12 h 17 min
